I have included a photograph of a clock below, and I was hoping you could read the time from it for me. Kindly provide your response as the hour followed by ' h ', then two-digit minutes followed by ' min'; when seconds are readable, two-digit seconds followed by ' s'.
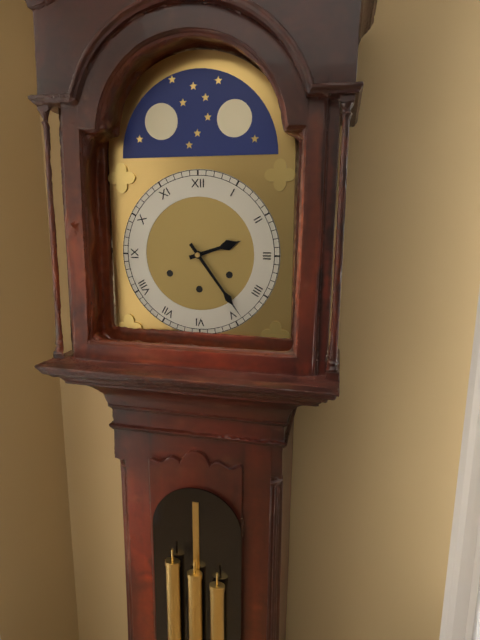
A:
2 h 24 min
